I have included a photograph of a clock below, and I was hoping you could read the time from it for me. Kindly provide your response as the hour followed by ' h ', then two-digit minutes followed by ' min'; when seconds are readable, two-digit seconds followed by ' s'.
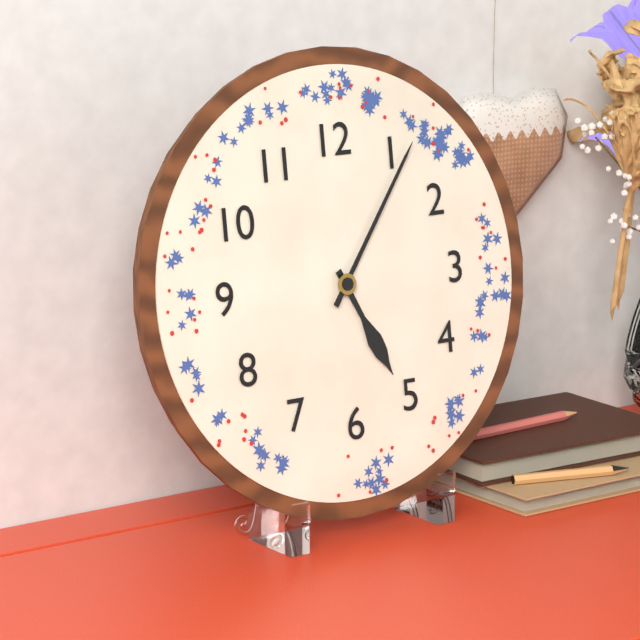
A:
5 h 06 min
